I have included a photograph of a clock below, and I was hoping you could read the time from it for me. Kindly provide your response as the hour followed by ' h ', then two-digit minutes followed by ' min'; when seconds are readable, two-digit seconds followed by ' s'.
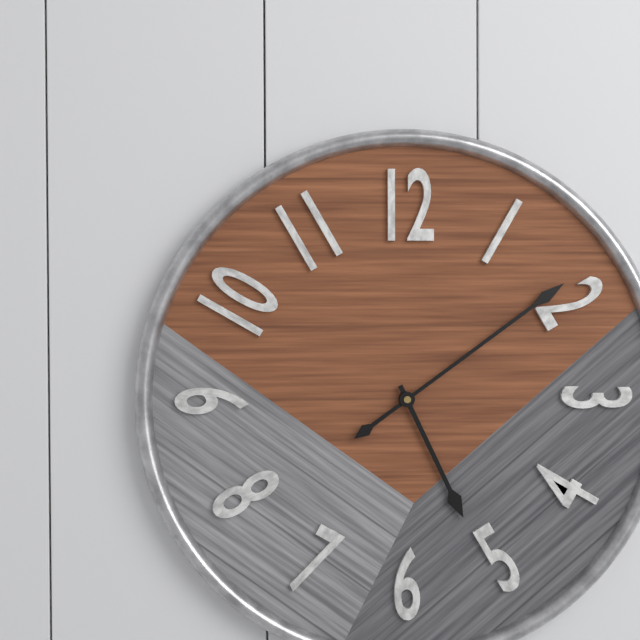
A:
5 h 09 min
